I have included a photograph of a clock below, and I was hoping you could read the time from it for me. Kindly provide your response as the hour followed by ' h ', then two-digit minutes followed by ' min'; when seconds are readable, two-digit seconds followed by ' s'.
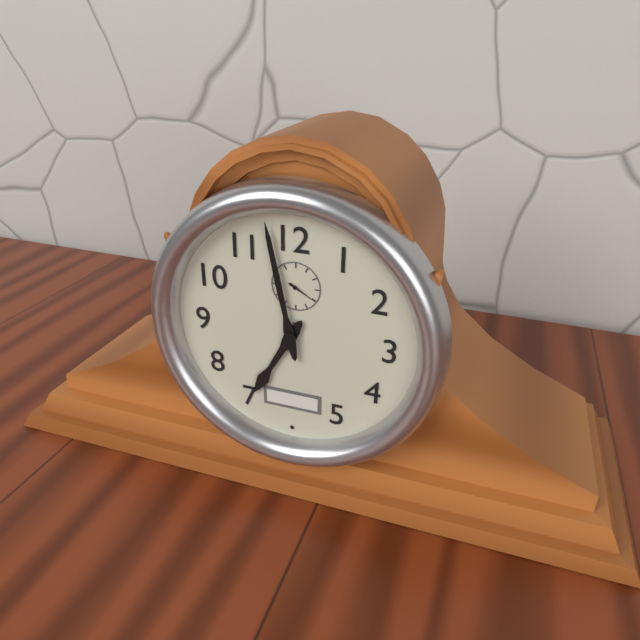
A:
6 h 58 min
